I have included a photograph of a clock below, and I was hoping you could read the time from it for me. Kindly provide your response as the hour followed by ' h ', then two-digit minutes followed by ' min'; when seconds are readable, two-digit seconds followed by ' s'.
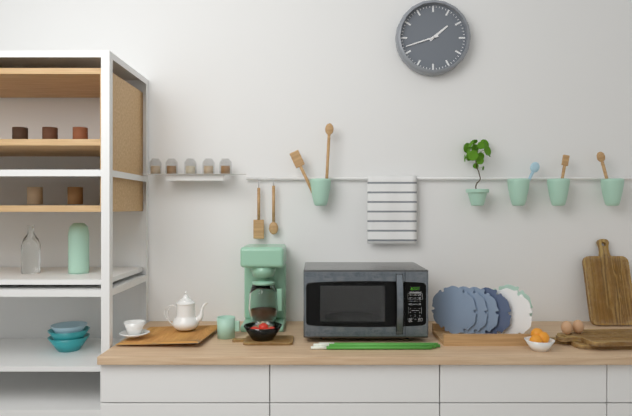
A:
1 h 42 min
